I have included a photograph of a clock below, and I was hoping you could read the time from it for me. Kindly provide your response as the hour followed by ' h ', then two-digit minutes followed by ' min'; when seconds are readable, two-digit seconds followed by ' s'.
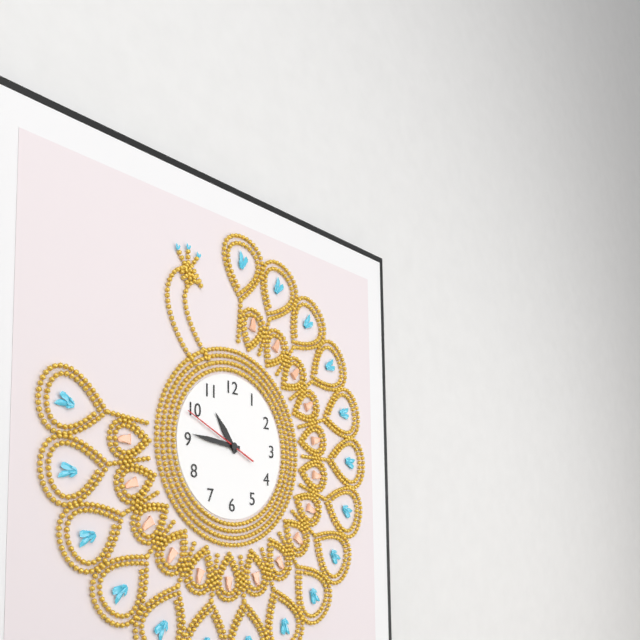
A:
10 h 46 min 49 s
